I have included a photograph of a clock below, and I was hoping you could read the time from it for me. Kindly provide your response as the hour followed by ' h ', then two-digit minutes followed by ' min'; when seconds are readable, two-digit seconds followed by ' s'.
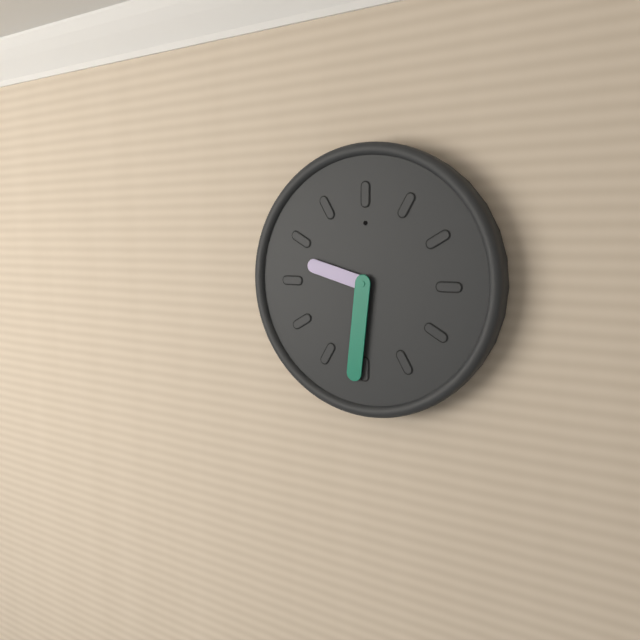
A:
9 h 31 min
